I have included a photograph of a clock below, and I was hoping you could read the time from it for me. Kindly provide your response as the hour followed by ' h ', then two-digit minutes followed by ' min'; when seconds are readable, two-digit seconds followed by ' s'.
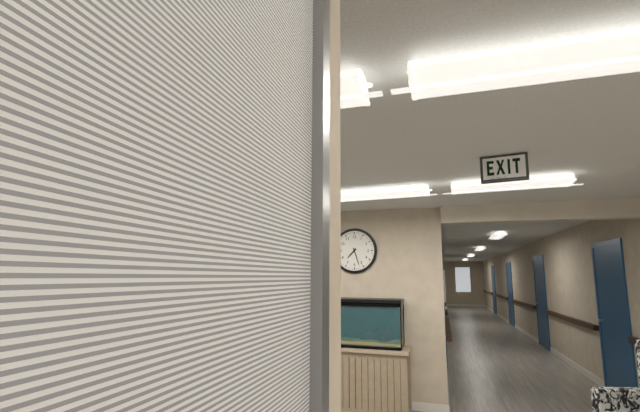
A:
7 h 27 min
